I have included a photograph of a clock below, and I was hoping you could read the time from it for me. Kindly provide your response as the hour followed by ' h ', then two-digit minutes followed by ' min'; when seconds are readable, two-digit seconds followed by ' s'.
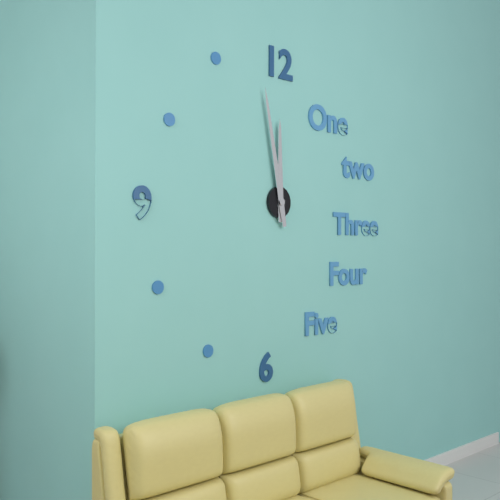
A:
11 h 58 min
